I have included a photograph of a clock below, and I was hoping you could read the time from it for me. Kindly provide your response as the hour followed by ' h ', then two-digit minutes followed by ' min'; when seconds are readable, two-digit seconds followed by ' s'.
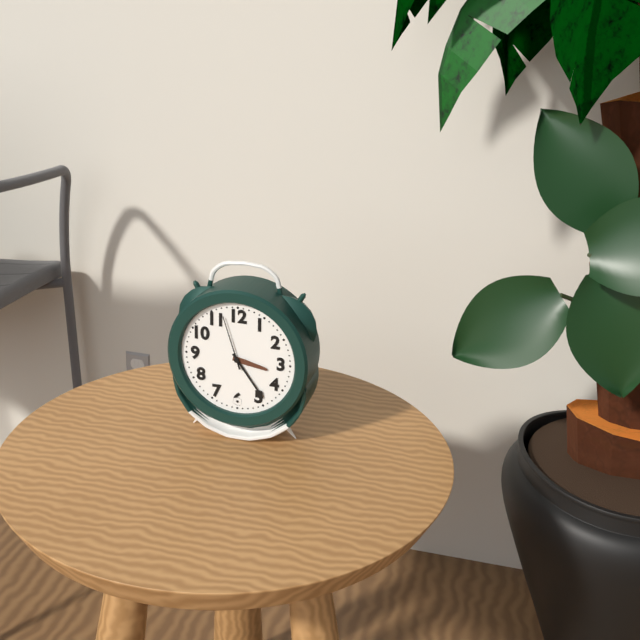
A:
3 h 24 min 57 s
